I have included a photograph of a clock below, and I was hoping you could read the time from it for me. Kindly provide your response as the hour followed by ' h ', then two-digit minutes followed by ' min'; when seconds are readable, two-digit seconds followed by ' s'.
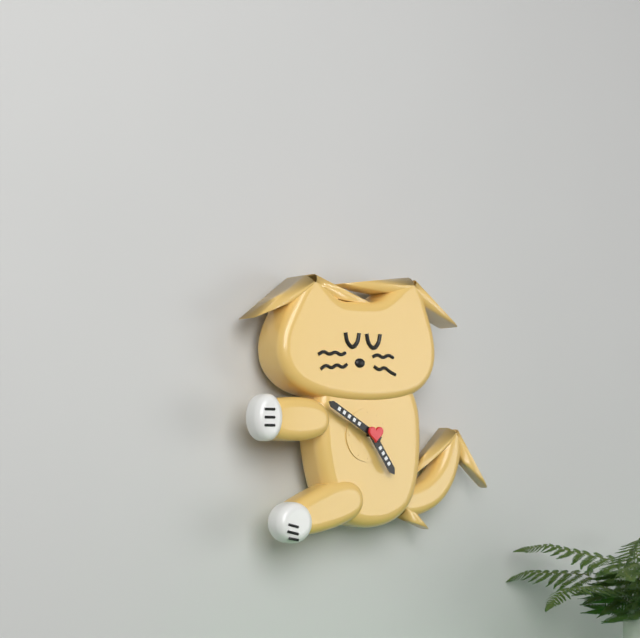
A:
4 h 50 min
